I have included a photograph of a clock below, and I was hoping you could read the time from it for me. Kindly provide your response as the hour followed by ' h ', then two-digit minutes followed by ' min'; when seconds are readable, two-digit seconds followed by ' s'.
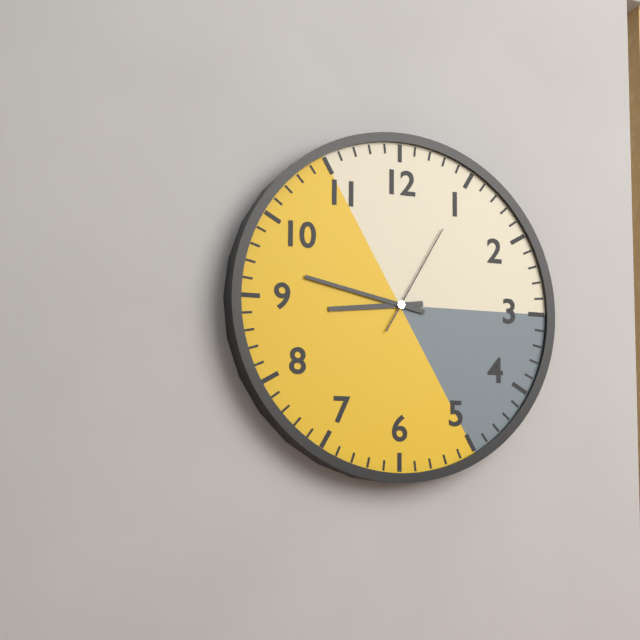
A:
8 h 47 min 05 s
